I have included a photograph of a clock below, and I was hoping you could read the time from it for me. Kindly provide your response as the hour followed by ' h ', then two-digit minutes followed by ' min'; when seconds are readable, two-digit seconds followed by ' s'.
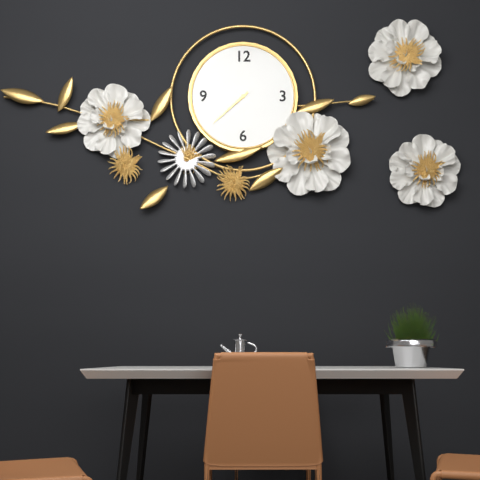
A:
7 h 38 min
